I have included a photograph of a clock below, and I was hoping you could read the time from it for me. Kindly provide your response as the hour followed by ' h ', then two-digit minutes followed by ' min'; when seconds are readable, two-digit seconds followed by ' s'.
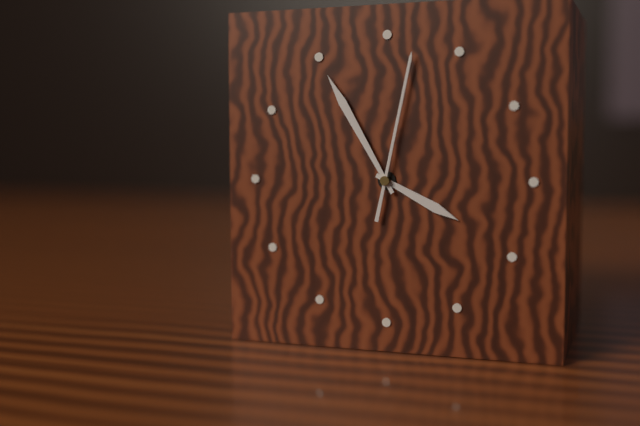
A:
3 h 55 min 02 s
